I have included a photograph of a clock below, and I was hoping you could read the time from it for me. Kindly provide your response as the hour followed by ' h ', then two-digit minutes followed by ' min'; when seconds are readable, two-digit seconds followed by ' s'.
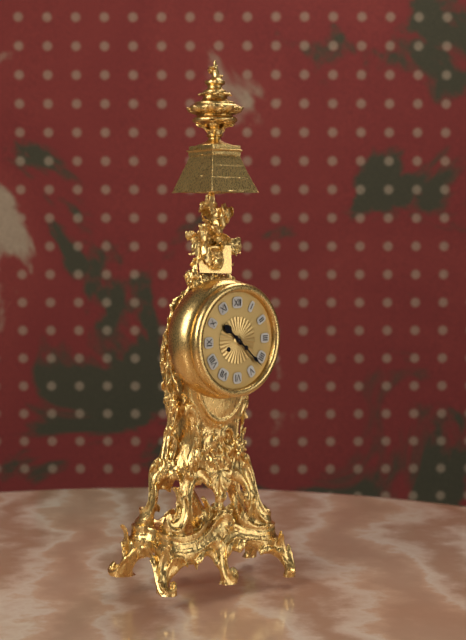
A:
10 h 22 min
